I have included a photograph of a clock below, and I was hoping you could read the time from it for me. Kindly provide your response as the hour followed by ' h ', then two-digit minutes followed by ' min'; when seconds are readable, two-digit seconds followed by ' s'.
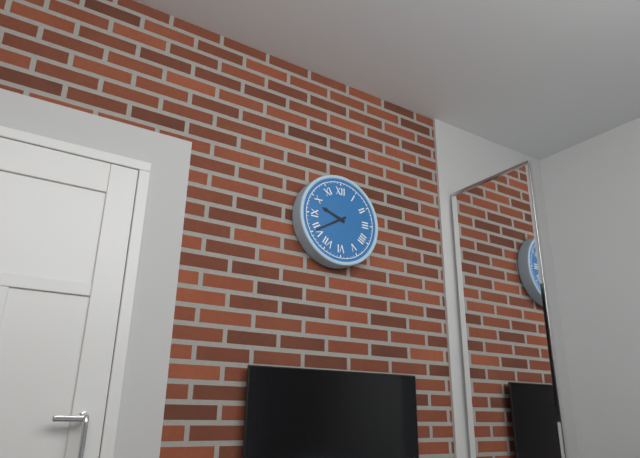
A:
9 h 40 min
